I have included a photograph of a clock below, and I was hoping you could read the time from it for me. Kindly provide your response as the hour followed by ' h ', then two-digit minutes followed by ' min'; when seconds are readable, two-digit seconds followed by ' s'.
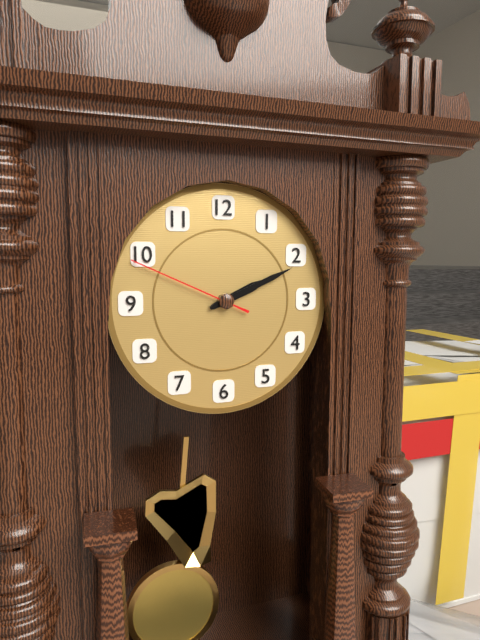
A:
2 h 11 min 49 s
